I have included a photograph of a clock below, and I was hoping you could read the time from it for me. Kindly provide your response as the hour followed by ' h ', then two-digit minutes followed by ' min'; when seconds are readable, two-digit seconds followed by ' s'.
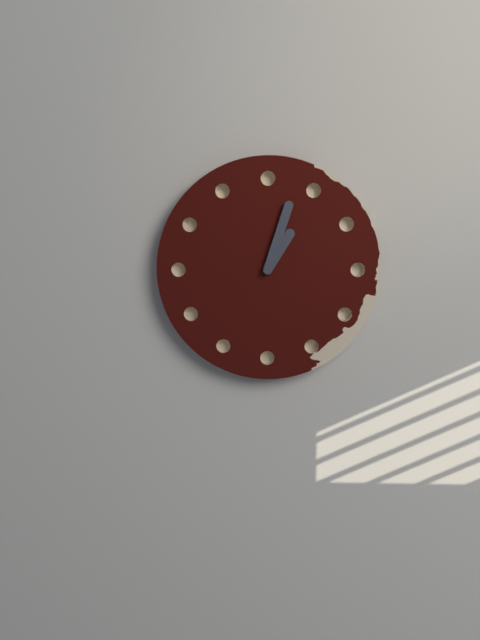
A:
1 h 03 min
